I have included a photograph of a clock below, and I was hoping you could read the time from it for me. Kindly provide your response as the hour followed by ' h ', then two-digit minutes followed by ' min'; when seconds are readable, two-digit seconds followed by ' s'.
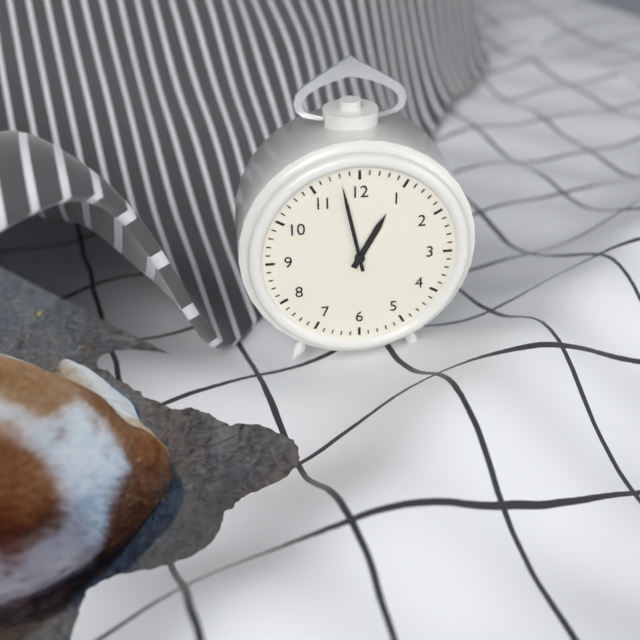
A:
12 h 58 min
